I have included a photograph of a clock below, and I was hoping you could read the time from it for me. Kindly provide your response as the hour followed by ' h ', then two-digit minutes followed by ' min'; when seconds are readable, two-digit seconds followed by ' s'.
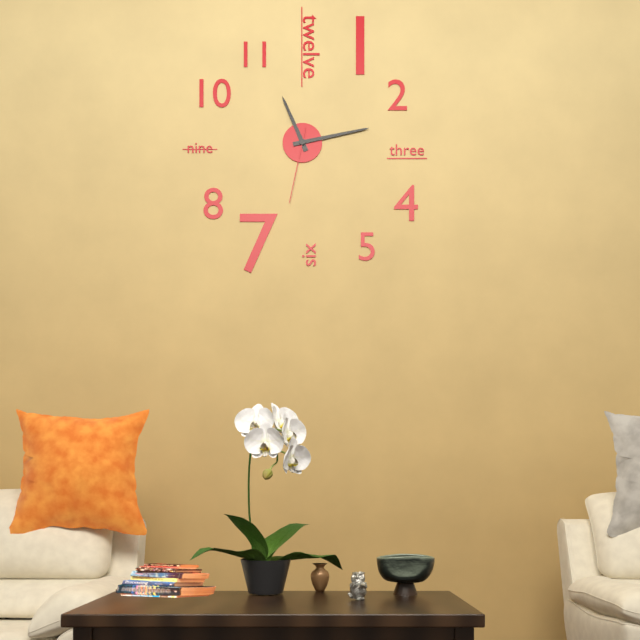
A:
11 h 13 min 32 s
